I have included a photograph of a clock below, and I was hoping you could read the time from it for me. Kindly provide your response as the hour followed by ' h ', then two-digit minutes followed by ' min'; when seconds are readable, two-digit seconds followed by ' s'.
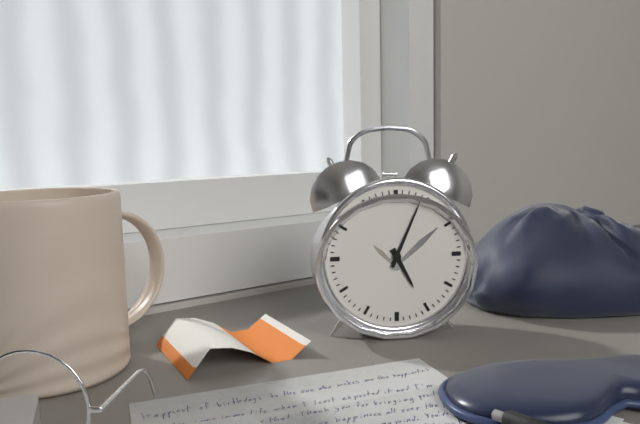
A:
5 h 04 min
